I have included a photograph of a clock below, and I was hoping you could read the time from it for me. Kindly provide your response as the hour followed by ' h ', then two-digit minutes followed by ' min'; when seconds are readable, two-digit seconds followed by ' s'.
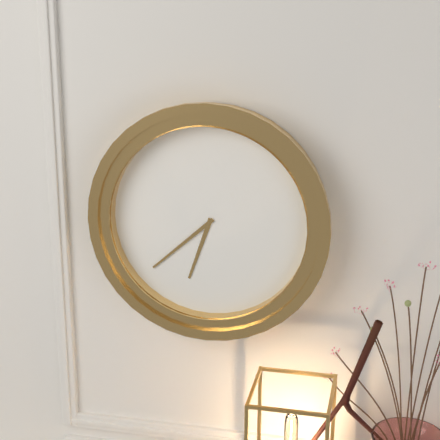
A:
6 h 38 min
